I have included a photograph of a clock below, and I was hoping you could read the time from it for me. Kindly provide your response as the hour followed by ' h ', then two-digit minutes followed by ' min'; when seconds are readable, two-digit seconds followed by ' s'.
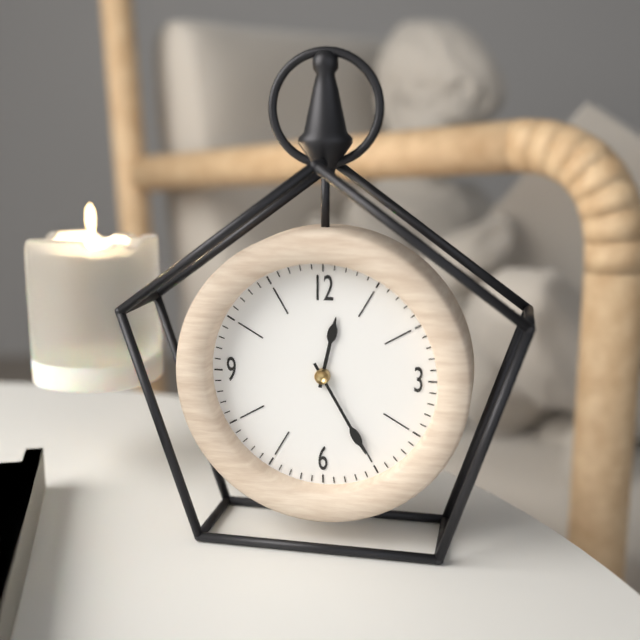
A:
12 h 25 min
